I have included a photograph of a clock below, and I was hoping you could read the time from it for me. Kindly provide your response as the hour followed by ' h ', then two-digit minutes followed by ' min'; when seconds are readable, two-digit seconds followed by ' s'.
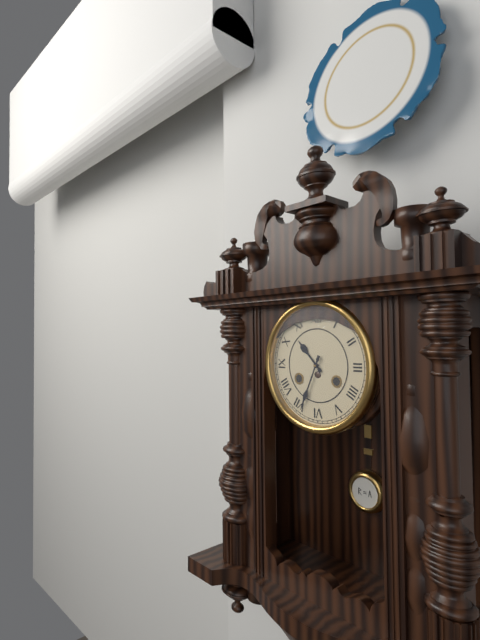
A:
10 h 34 min
